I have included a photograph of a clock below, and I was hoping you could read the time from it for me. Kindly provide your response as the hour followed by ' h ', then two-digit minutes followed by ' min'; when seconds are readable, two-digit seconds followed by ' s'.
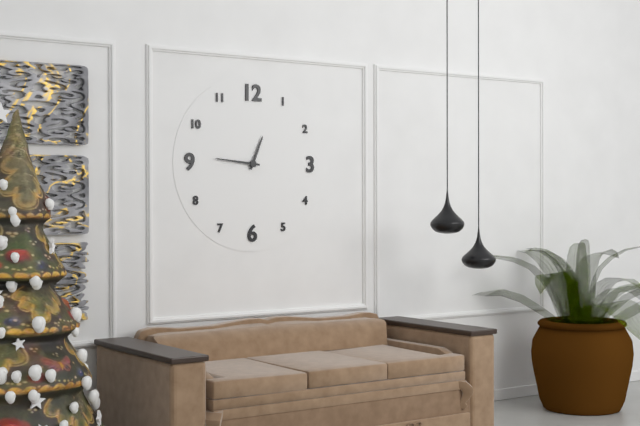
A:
12 h 46 min
